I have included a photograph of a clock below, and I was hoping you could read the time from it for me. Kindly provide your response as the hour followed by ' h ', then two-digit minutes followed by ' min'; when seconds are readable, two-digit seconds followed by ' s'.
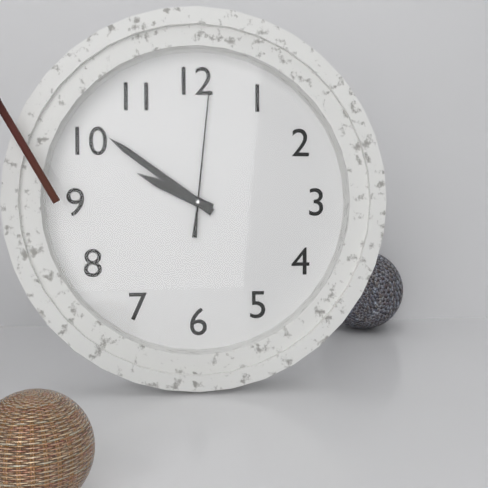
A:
9 h 51 min 01 s
